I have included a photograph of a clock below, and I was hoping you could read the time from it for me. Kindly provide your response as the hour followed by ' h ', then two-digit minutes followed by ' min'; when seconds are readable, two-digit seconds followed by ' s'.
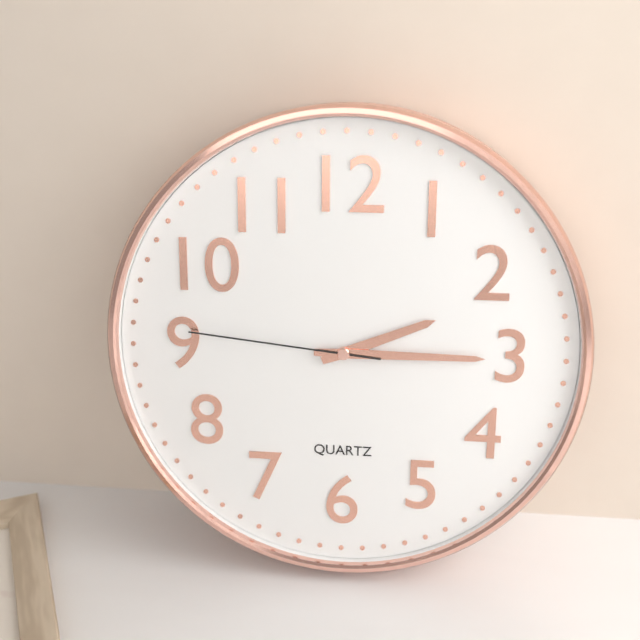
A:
2 h 15 min 46 s
